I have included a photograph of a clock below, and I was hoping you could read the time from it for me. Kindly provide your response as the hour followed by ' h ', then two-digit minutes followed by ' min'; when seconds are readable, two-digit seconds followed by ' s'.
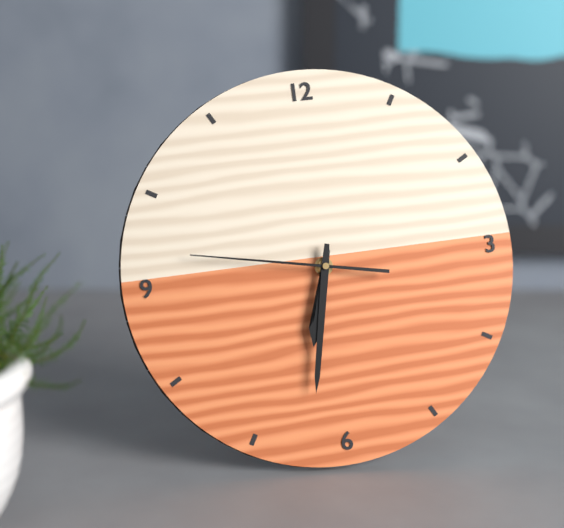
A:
6 h 32 min 47 s
